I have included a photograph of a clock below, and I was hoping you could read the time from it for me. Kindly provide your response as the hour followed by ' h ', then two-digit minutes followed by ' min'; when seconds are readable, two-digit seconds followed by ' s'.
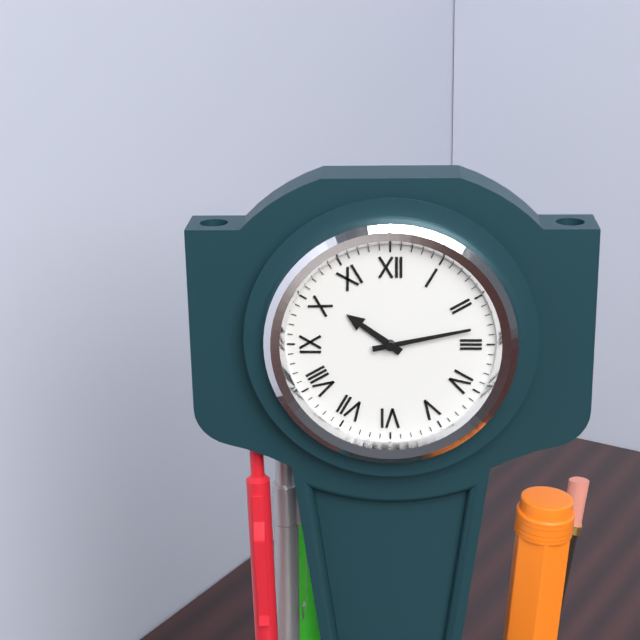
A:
10 h 13 min
